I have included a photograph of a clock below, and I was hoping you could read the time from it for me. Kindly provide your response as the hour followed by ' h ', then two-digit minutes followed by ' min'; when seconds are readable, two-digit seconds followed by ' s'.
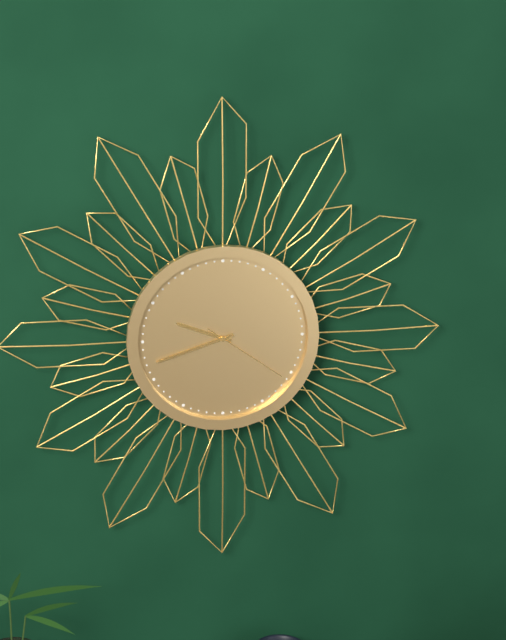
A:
9 h 42 min 21 s
